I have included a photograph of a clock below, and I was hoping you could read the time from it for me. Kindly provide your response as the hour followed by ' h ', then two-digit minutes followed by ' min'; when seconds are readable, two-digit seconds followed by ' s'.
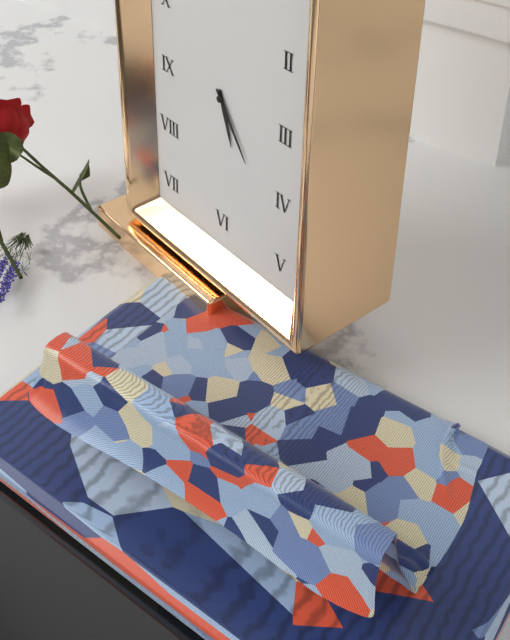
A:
5 h 24 min
